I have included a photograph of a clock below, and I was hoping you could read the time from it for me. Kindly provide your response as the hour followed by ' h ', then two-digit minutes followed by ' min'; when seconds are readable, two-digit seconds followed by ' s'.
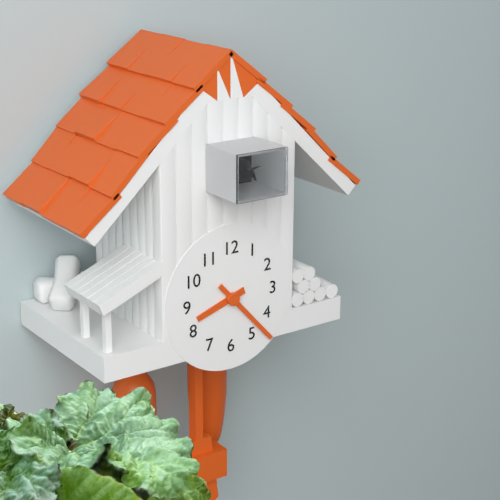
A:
8 h 23 min
